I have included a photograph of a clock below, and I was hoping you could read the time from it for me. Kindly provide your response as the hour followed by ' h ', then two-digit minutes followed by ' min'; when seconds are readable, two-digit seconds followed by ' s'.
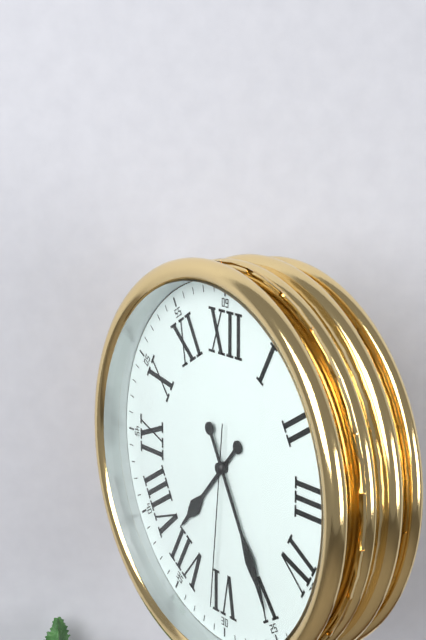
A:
7 h 25 min 31 s
